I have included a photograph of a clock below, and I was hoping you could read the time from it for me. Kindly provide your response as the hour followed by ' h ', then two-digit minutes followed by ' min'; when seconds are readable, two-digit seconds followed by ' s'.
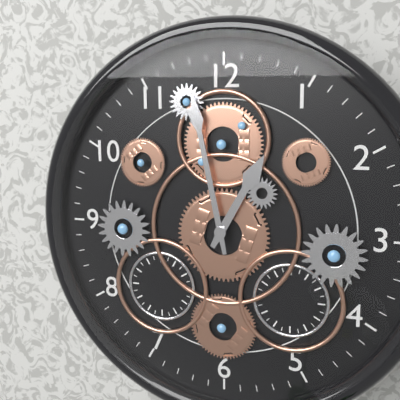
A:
12 h 58 min
